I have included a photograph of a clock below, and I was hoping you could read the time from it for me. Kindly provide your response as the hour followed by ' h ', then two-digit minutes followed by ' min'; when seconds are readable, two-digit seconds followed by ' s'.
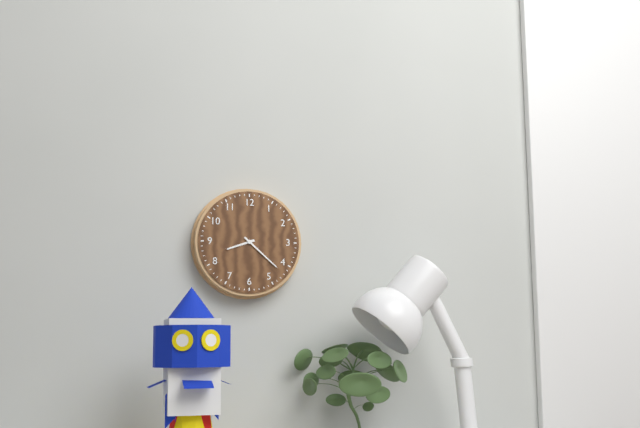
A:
8 h 22 min
